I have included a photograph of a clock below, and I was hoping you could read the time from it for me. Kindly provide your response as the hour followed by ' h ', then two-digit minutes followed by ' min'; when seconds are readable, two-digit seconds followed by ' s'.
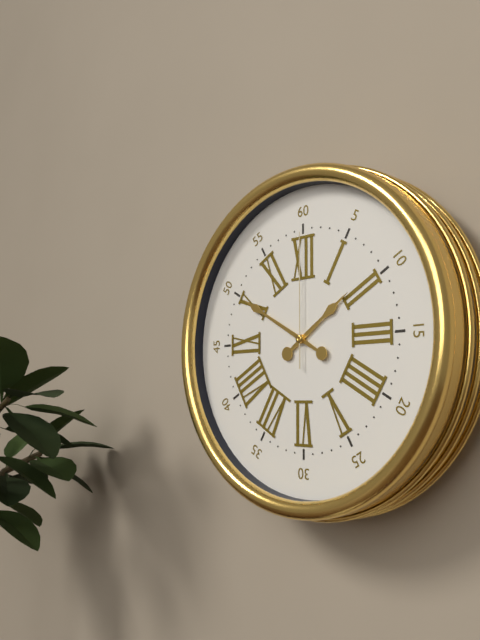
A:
1 h 50 min 00 s
